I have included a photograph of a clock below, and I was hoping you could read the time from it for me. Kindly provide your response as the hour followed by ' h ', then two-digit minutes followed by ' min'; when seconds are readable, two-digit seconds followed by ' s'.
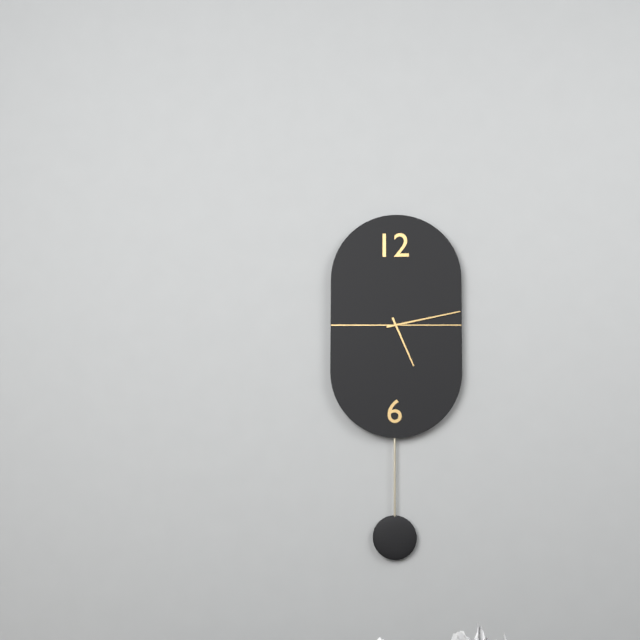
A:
5 h 13 min
